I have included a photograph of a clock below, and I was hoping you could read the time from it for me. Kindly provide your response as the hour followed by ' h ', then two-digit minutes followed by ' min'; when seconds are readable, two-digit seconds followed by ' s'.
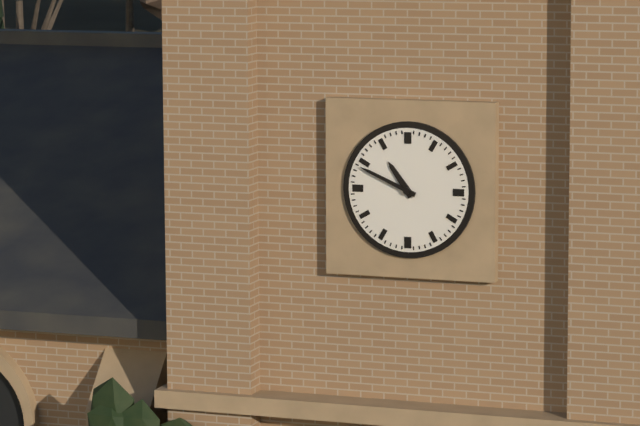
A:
10 h 49 min
